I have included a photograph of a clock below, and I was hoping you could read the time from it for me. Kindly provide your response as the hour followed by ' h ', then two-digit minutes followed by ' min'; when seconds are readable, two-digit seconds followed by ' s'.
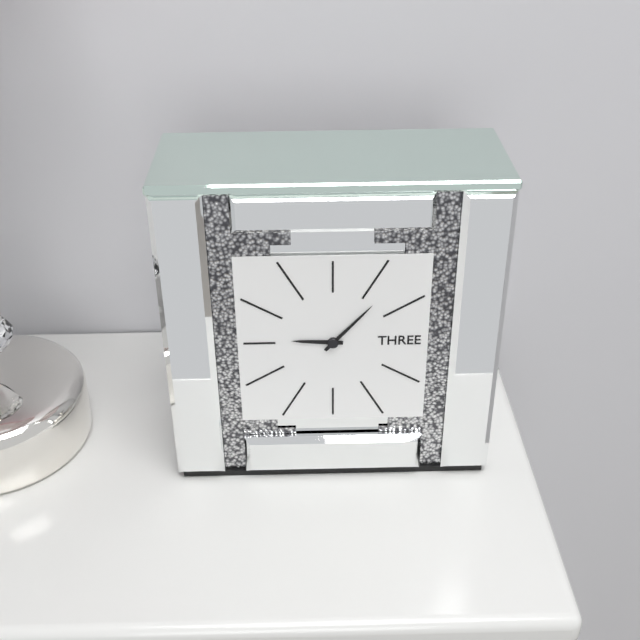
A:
9 h 07 min
